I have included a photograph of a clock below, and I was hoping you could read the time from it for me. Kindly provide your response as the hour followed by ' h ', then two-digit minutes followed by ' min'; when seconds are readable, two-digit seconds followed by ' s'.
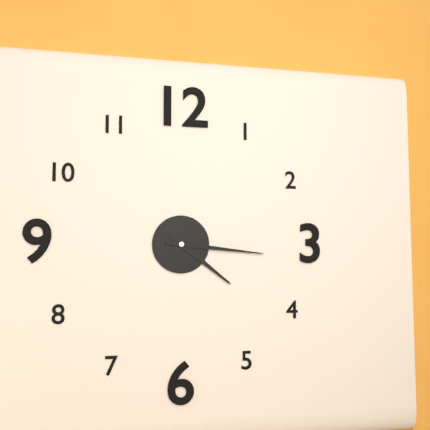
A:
4 h 16 min
